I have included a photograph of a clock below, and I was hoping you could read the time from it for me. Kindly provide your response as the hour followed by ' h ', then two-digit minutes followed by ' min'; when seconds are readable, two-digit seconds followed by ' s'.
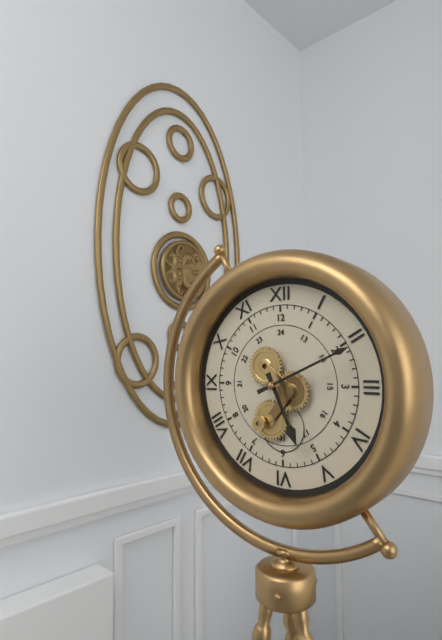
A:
5 h 11 min
